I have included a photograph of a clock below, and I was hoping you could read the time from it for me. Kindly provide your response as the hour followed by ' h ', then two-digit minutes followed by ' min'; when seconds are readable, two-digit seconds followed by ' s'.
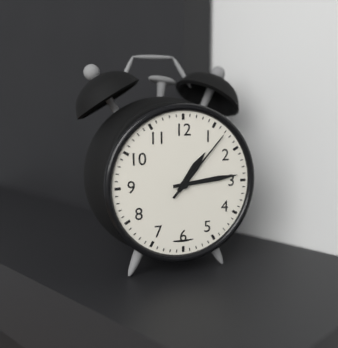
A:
1 h 14 min 07 s
